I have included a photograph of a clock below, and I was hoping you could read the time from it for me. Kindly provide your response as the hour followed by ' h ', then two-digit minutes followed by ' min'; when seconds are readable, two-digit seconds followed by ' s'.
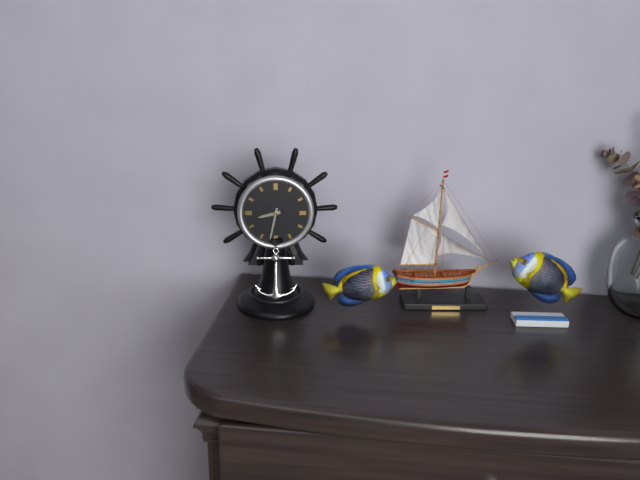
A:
8 h 32 min
